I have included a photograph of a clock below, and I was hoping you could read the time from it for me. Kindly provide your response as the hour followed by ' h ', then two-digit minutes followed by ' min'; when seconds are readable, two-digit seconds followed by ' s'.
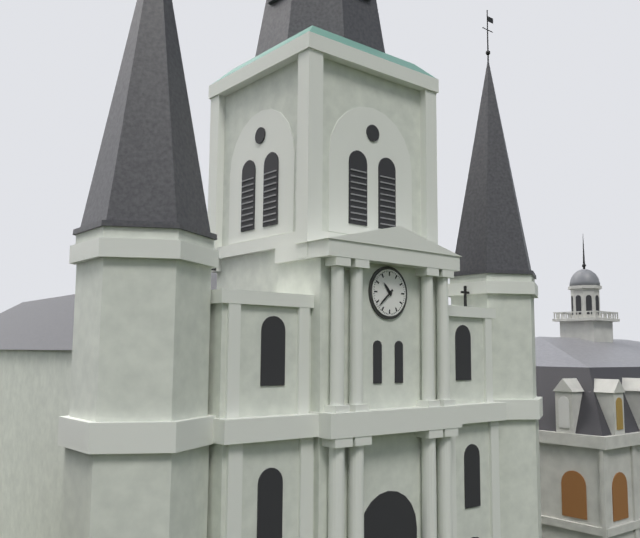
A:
10 h 38 min
